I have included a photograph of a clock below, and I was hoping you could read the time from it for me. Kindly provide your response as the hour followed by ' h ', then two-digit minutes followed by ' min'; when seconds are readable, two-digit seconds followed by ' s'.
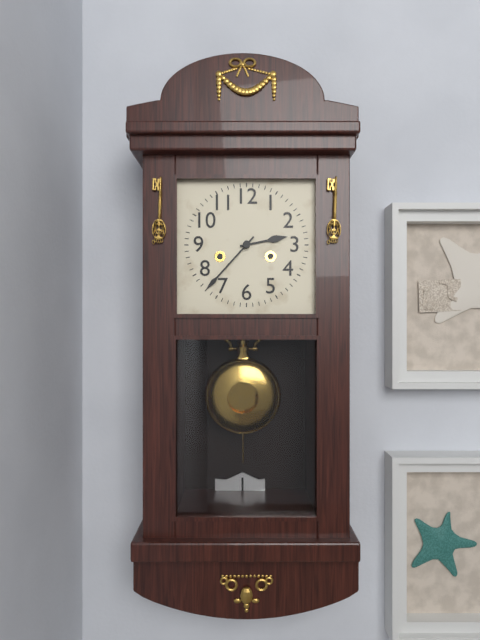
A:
2 h 37 min
